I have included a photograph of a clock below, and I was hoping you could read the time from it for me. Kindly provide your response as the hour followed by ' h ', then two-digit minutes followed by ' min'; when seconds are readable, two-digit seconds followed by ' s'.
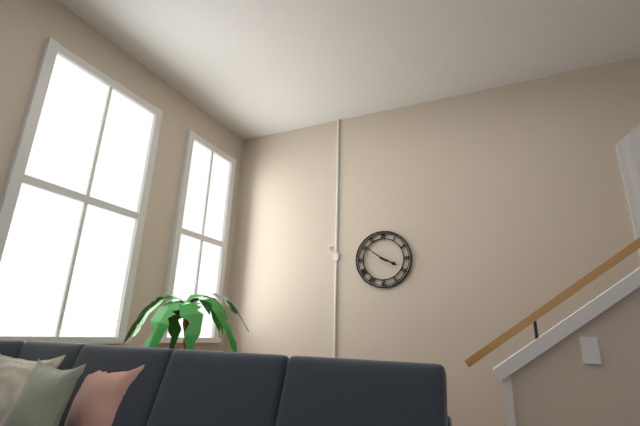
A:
3 h 51 min
